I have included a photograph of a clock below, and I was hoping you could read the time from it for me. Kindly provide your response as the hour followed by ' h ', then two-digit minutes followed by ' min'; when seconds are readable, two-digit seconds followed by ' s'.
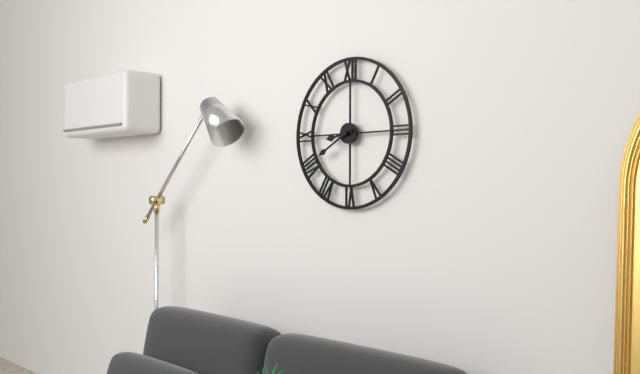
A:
8 h 40 min
